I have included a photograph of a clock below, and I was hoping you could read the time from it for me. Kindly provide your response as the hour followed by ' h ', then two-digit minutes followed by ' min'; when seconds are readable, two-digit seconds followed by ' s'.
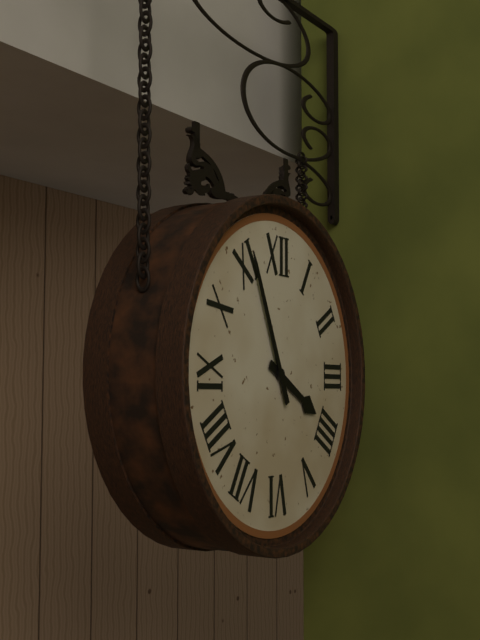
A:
3 h 56 min
